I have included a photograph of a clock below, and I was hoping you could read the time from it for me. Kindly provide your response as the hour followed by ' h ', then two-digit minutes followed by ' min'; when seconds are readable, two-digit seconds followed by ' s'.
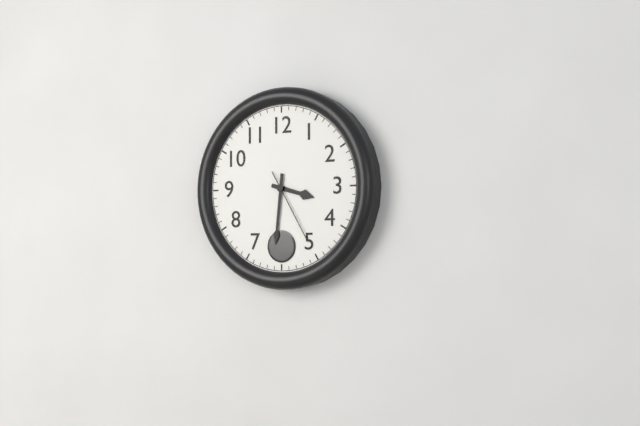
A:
3 h 31 min 25 s
